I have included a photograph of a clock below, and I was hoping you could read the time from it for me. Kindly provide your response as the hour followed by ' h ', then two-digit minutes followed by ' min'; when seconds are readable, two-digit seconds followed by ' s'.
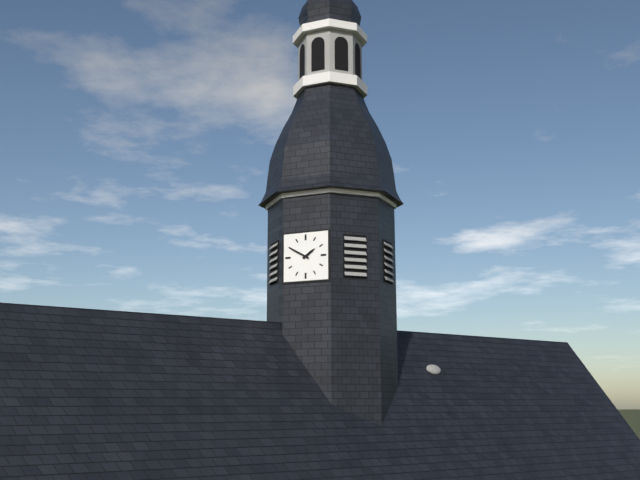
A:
1 h 50 min
